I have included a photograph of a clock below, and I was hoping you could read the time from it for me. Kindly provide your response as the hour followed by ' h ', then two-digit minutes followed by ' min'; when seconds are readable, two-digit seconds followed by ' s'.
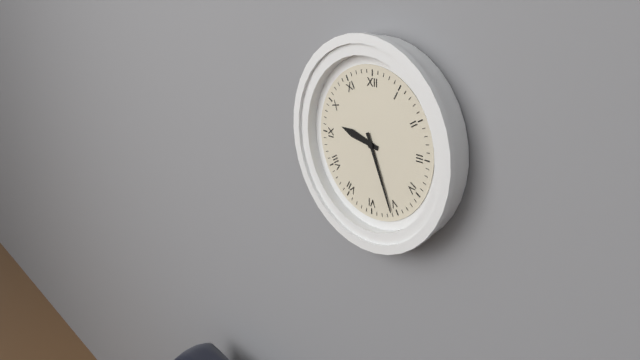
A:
9 h 26 min
